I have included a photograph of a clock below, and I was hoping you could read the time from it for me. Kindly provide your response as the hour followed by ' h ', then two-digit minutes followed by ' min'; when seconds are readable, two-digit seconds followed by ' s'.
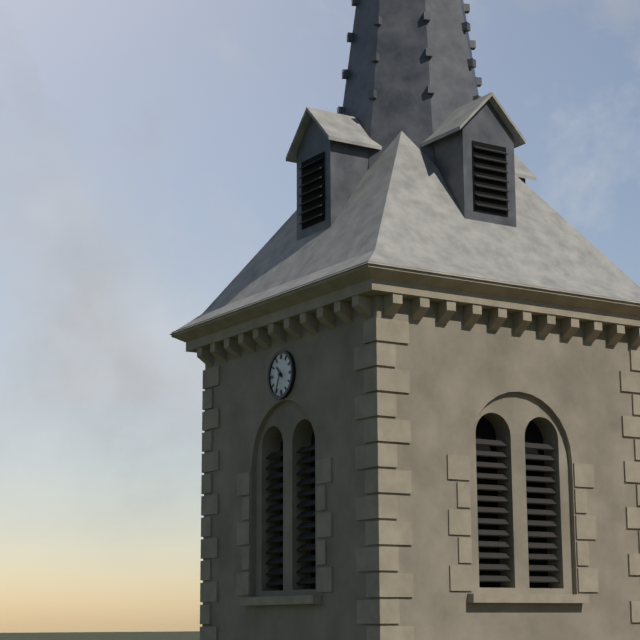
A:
10 h 34 min
